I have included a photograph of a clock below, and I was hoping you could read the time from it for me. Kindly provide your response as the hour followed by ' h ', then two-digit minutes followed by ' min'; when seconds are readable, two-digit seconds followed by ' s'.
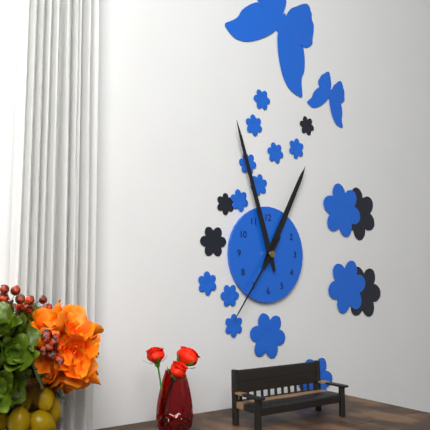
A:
12 h 57 min 36 s
